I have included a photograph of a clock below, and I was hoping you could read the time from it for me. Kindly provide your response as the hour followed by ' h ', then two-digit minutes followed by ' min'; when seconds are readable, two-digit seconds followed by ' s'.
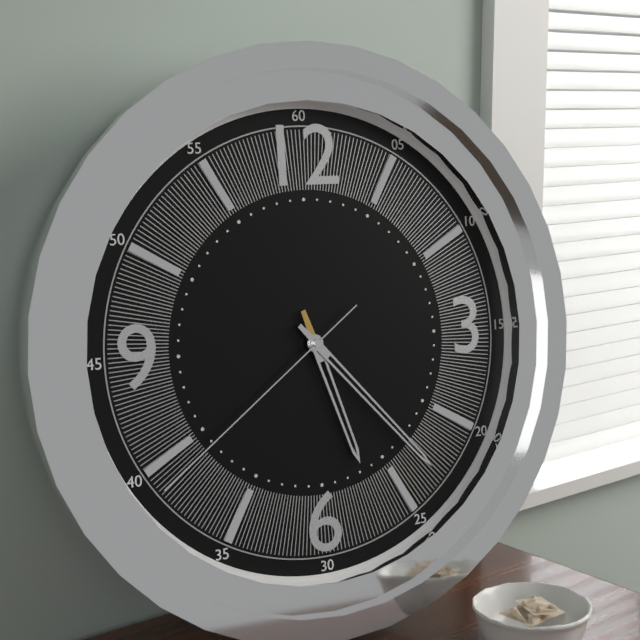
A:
5 h 23 min 39 s
